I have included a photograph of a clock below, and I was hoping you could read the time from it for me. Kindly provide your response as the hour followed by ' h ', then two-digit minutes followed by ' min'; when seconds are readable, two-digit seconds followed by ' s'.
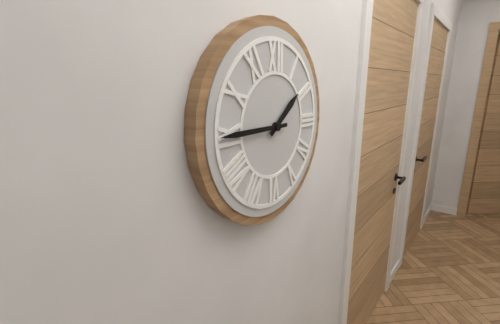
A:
1 h 45 min
